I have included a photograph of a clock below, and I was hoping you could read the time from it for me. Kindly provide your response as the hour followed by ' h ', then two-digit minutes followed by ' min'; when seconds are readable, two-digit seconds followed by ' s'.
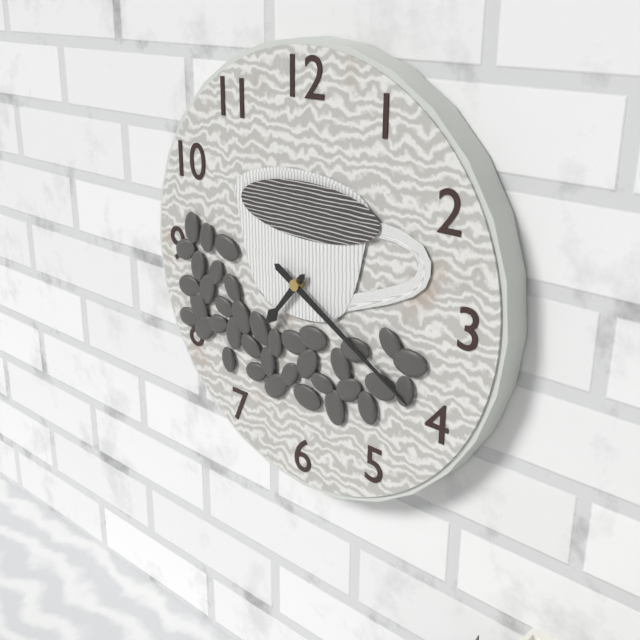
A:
7 h 20 min
